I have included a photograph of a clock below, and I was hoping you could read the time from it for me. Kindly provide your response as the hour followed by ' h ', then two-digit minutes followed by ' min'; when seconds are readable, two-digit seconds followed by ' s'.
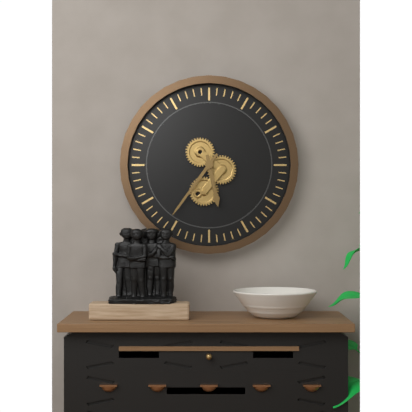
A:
5 h 36 min
